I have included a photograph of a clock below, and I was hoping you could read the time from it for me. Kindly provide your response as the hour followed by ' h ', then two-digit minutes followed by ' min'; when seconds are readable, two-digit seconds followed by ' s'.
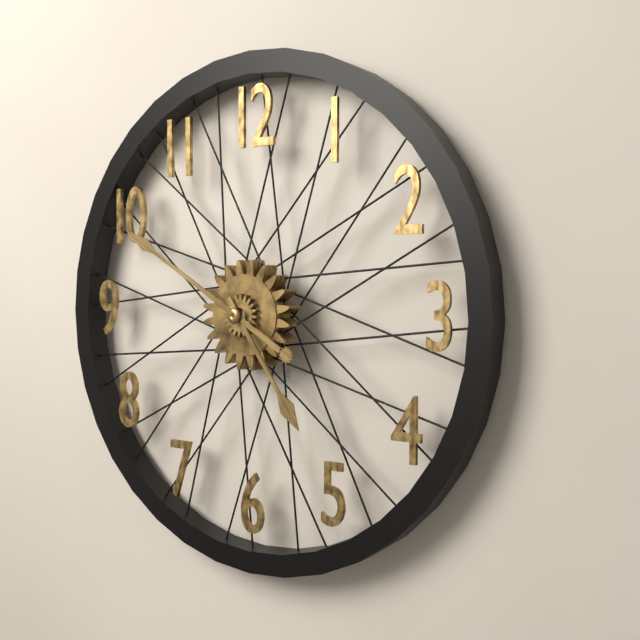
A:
4 h 50 min
